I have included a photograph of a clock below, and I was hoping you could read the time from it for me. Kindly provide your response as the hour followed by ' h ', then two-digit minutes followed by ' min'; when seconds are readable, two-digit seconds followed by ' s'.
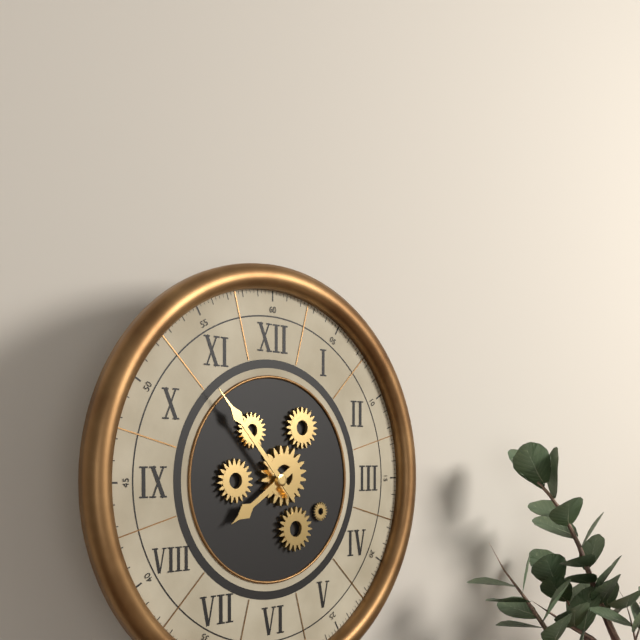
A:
7 h 53 min
